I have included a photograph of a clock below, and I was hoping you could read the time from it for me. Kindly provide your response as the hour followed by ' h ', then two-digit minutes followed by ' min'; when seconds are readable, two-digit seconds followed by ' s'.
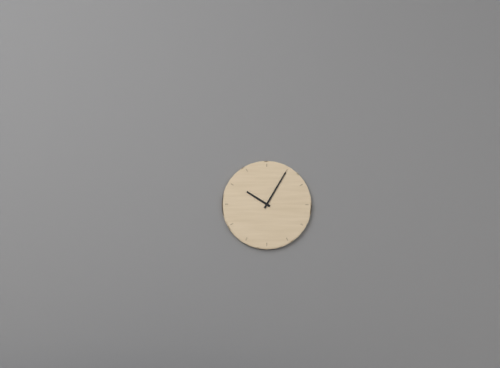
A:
10 h 05 min
